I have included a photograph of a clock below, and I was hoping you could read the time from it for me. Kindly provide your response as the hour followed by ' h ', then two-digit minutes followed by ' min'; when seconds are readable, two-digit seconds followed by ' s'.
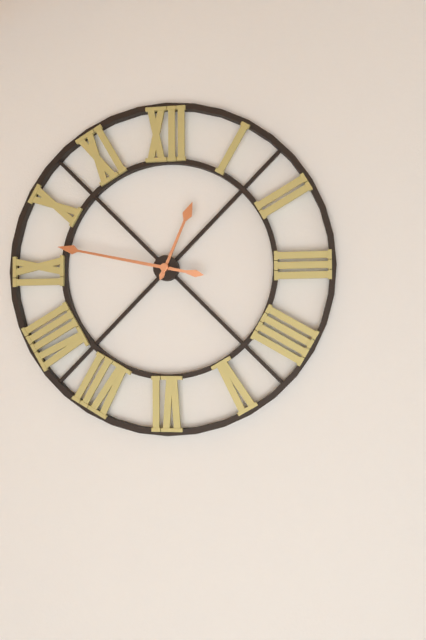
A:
12 h 47 min
